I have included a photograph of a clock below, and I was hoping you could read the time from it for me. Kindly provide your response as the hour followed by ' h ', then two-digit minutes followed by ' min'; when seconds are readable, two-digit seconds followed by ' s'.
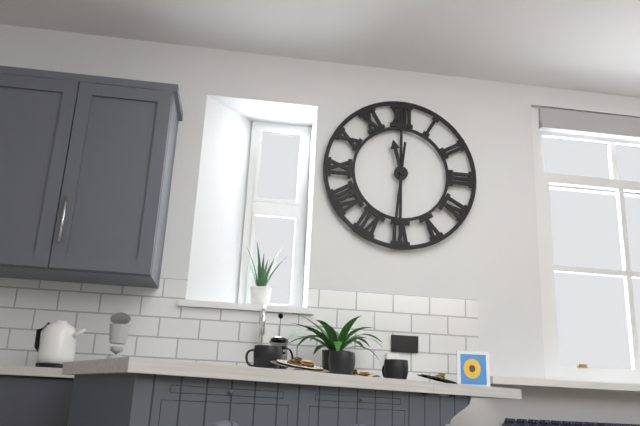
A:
11 h 31 min
